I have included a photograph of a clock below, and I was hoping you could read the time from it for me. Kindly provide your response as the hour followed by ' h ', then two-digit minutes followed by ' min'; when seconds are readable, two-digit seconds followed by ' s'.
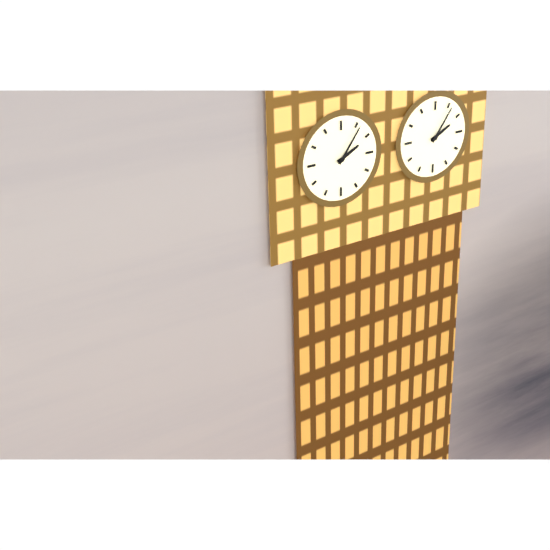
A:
2 h 06 min
